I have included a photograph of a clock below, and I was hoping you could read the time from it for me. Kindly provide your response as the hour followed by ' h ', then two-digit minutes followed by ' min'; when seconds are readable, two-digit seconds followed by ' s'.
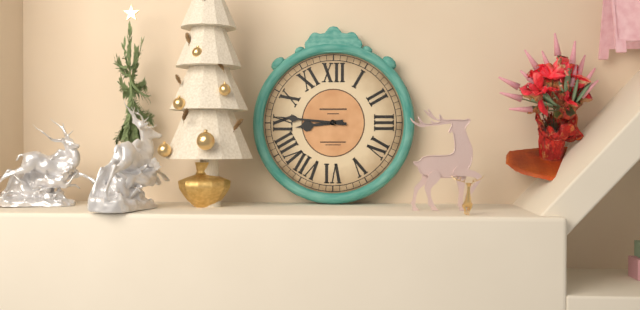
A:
8 h 46 min
